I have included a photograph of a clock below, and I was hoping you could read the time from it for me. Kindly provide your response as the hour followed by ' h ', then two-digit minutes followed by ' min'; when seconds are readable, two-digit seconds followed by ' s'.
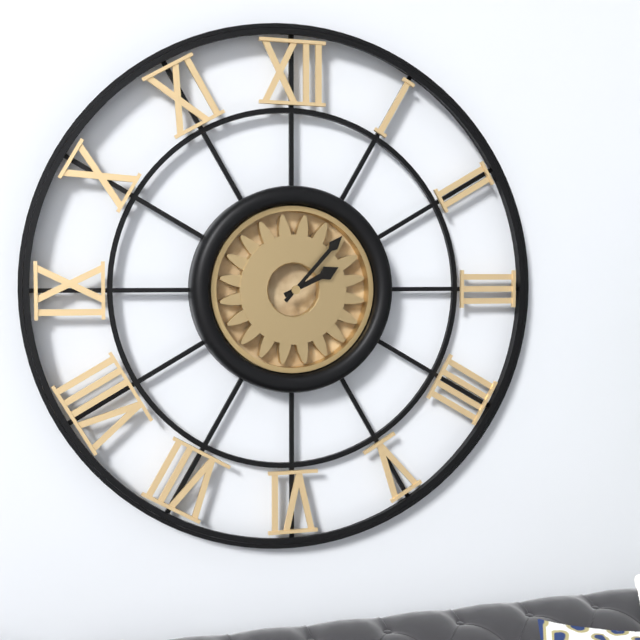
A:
2 h 07 min
